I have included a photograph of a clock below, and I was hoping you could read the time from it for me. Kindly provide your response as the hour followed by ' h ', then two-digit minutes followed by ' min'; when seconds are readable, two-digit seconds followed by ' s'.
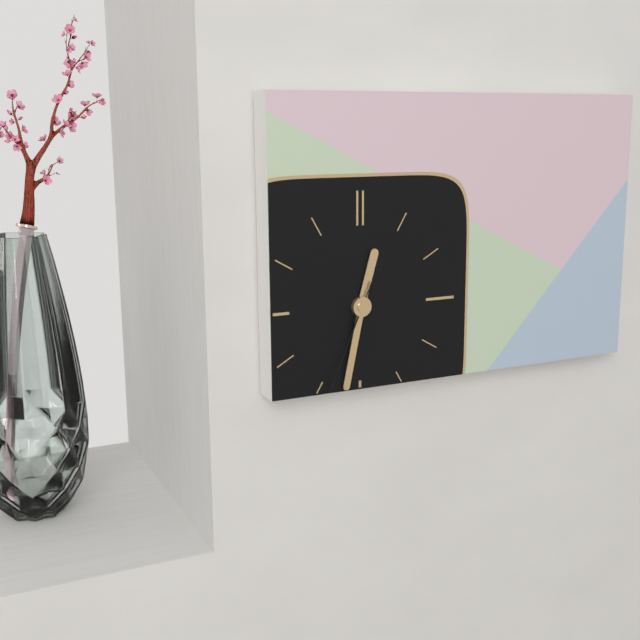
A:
12 h 32 min 34 s
